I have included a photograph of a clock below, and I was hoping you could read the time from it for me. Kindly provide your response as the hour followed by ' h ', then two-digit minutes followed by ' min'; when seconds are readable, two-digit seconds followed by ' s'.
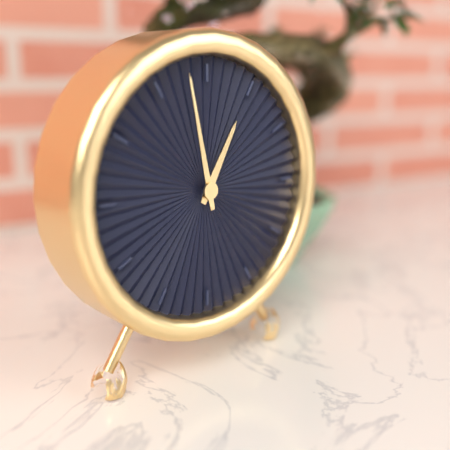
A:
12 h 58 min
